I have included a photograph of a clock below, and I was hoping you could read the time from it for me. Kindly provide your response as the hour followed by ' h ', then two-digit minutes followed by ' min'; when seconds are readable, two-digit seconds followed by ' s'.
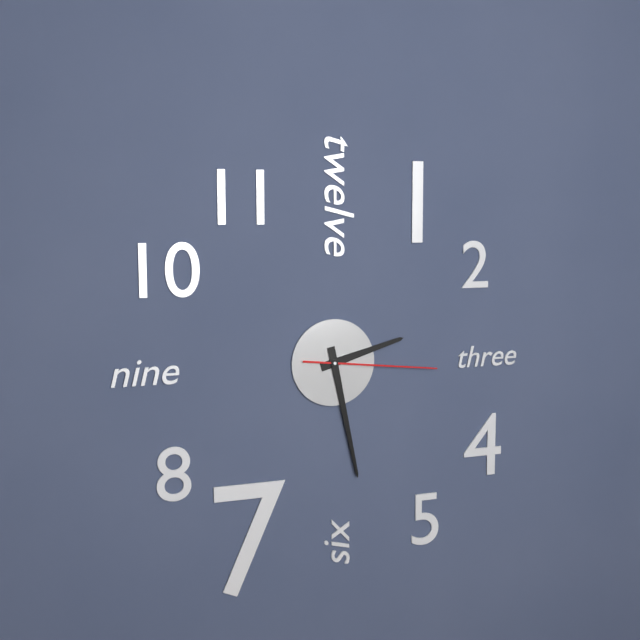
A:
2 h 28 min 16 s
